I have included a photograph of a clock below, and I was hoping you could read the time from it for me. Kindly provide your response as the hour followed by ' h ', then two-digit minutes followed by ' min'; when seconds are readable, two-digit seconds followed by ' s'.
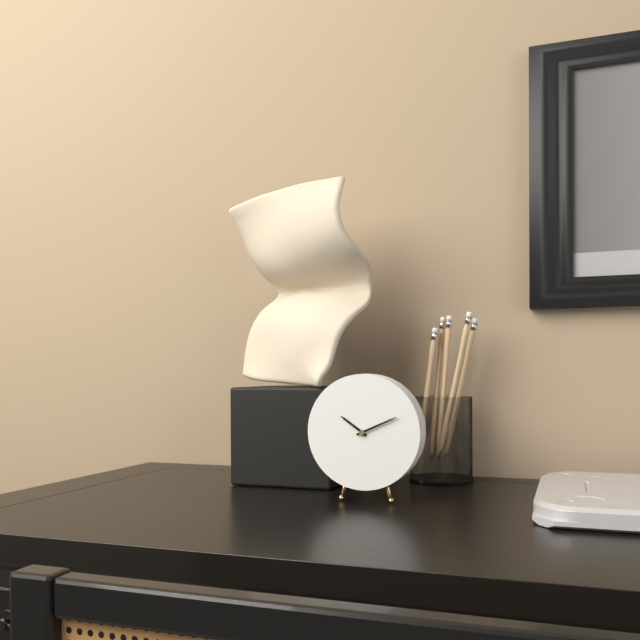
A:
10 h 11 min
